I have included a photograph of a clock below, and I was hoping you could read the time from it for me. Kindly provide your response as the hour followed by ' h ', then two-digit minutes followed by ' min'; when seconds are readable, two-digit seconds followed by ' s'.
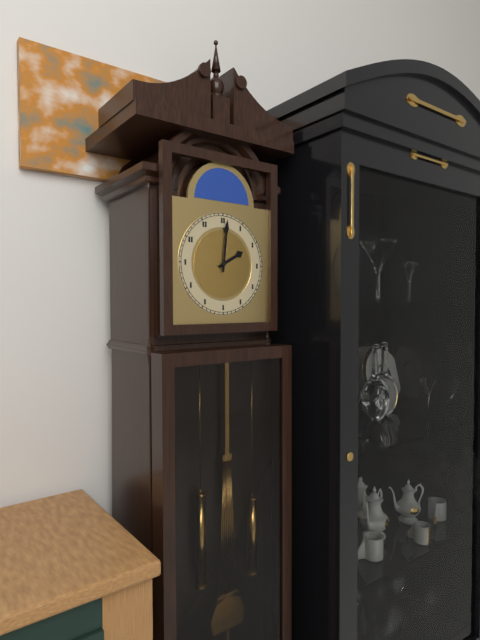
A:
2 h 01 min
